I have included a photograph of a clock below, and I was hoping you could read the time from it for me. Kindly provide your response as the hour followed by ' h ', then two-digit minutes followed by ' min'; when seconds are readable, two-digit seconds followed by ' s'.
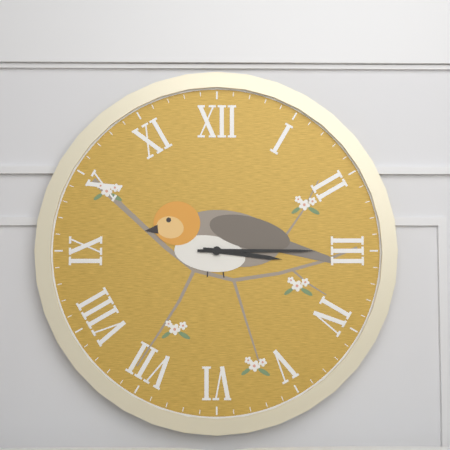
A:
3 h 15 min
